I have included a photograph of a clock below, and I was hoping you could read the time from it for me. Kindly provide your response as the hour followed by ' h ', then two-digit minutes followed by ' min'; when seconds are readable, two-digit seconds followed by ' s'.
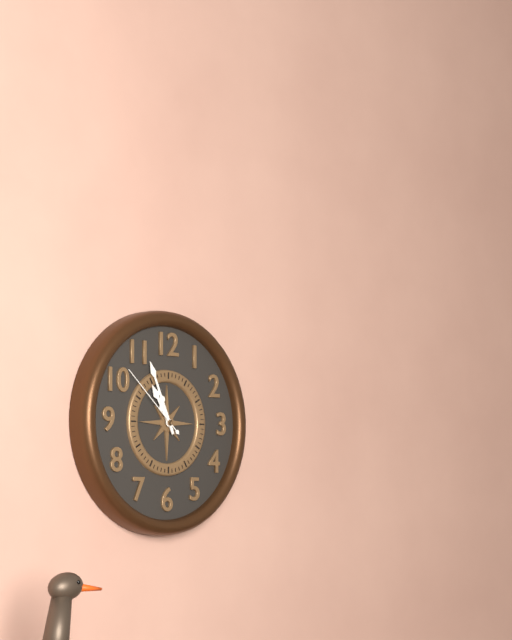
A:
10 h 56 min 52 s
